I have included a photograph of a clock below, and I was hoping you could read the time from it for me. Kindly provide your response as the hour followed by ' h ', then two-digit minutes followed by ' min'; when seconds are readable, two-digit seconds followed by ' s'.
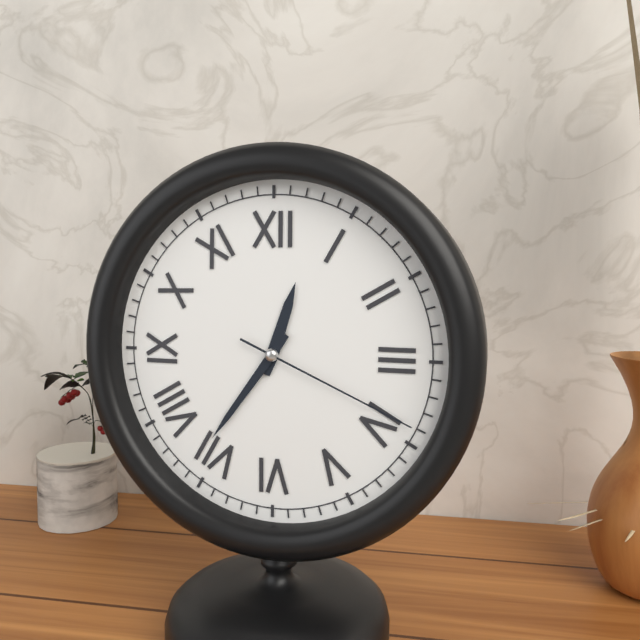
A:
12 h 36 min 19 s
